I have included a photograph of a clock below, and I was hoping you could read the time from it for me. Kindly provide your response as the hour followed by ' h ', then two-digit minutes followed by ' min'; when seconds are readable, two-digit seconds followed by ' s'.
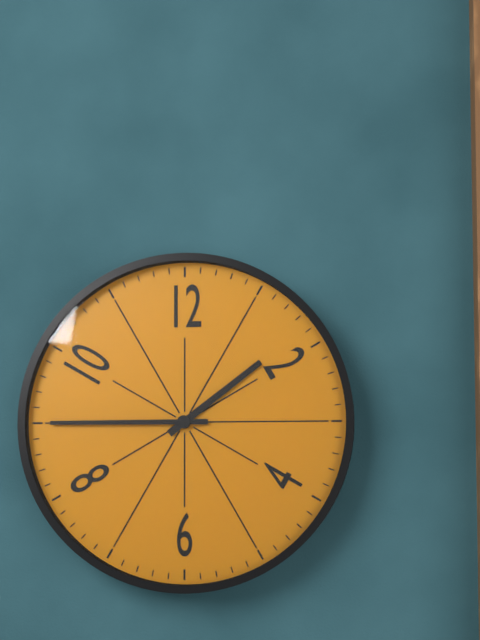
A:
1 h 45 min
